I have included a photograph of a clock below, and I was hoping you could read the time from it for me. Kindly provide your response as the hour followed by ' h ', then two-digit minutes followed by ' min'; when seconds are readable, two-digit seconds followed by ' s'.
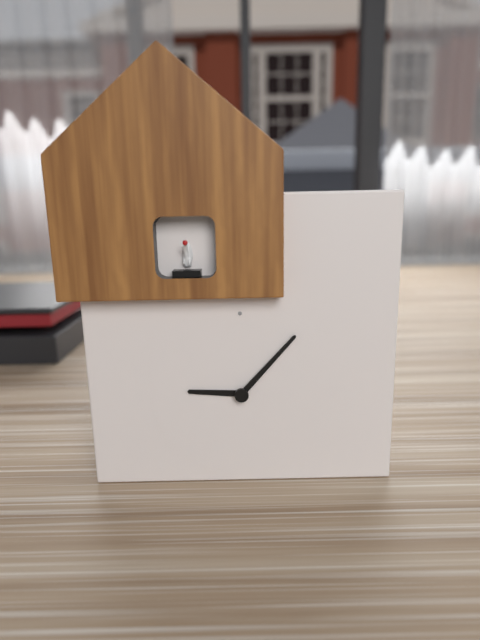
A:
9 h 07 min
